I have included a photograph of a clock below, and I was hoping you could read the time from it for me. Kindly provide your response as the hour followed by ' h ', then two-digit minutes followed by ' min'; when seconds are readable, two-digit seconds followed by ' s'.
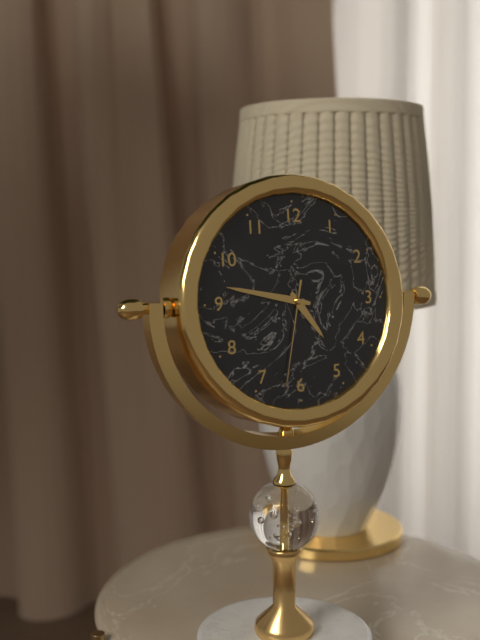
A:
4 h 47 min 32 s
